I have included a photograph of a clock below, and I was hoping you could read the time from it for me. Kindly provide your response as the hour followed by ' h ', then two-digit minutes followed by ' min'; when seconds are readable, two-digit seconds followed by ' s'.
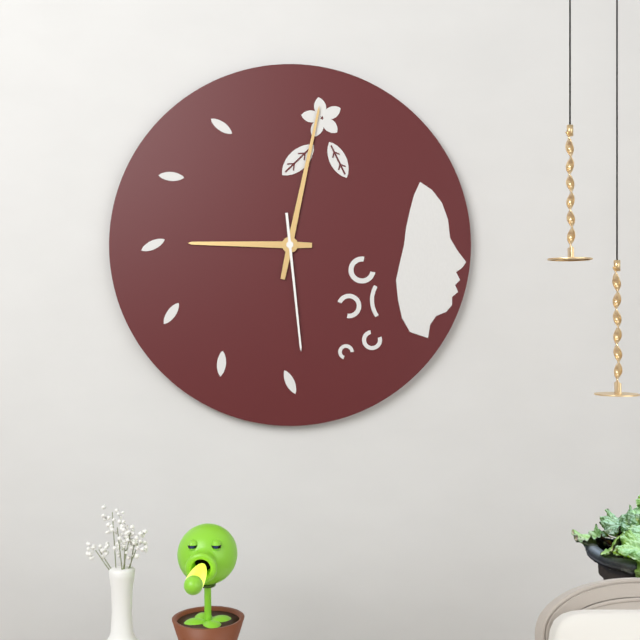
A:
9 h 02 min 29 s
